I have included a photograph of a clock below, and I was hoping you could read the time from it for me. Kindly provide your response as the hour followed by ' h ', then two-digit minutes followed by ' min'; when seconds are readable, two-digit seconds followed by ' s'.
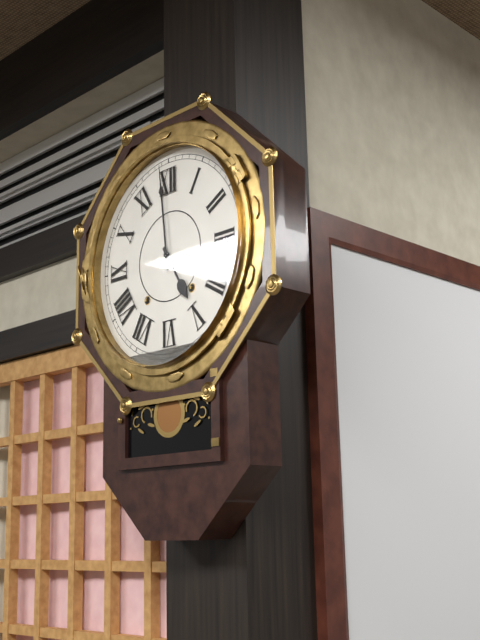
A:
4 h 59 min
